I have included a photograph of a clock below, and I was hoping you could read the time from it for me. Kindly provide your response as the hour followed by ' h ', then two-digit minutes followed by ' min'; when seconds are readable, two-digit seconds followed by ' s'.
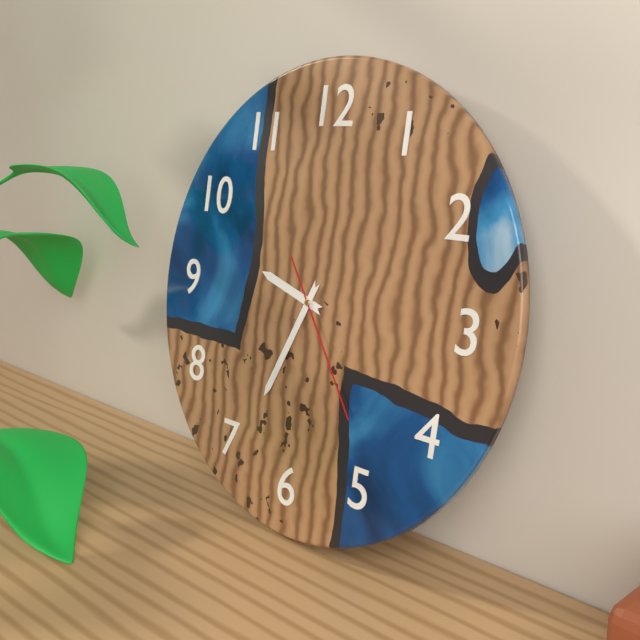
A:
9 h 34 min 24 s
